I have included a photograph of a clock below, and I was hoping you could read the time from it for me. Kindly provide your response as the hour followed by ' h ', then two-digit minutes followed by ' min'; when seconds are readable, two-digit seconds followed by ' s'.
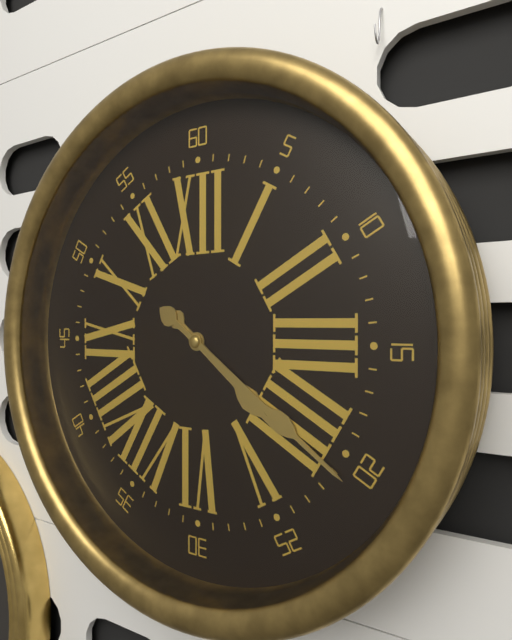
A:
4 h 21 min
